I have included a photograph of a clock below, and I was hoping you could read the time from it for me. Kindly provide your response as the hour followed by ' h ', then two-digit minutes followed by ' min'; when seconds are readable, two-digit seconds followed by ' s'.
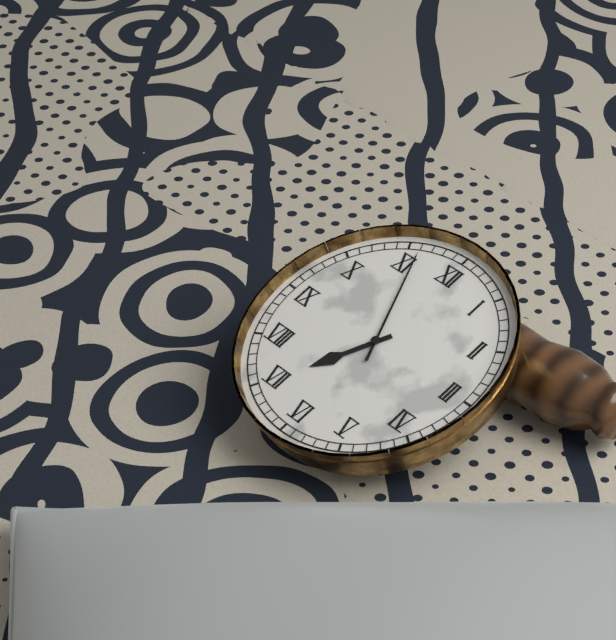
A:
6 h 56 min
